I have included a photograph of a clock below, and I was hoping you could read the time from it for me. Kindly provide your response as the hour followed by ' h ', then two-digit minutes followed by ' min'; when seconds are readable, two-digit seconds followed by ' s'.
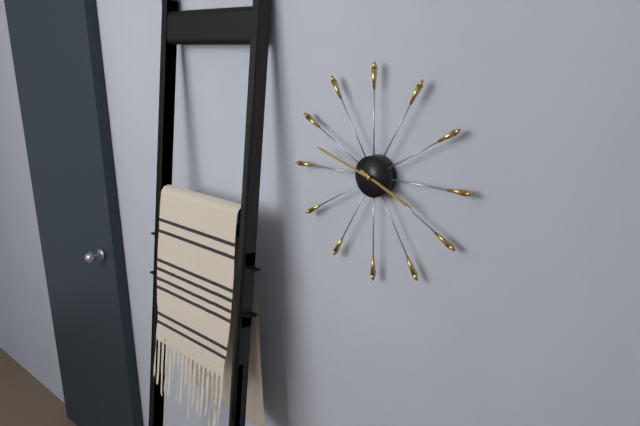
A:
3 h 48 min
